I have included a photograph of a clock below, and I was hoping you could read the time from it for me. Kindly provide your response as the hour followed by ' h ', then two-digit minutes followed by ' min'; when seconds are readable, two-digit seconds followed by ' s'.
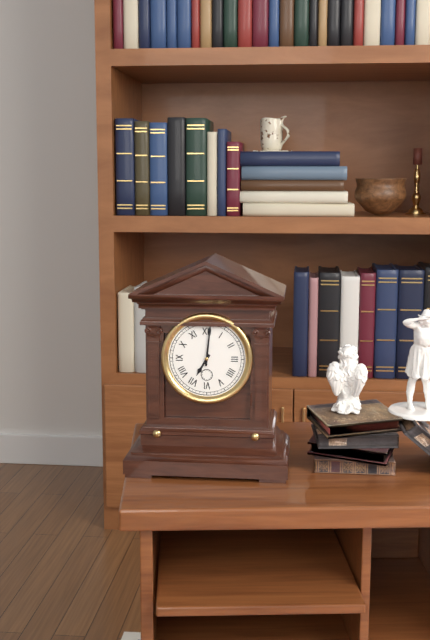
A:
7 h 01 min
